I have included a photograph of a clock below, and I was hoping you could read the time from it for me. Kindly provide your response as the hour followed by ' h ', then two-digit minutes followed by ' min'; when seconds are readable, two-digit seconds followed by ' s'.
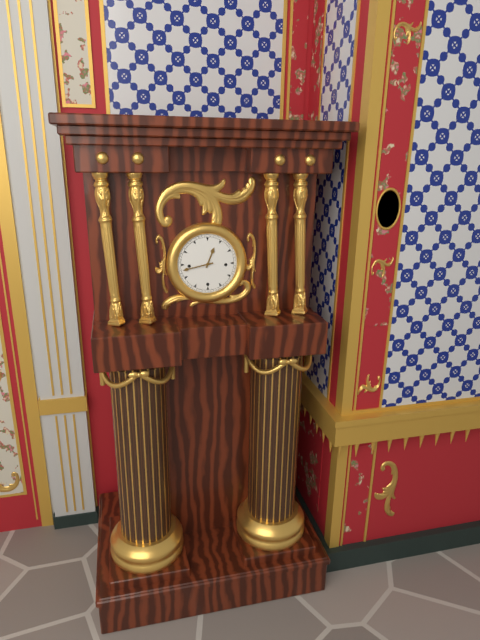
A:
12 h 43 min
